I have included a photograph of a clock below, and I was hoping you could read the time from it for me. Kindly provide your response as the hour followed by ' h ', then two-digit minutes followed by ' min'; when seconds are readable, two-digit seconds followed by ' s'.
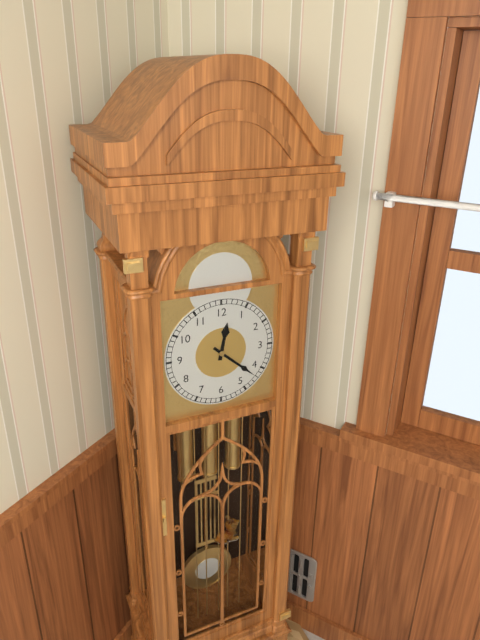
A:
12 h 22 min
